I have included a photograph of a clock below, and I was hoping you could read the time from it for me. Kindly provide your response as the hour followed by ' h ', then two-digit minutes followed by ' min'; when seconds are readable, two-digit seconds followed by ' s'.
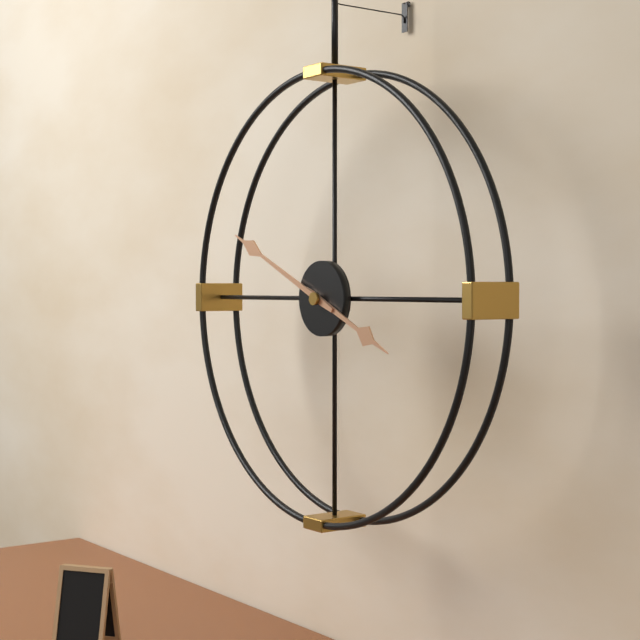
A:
3 h 49 min
